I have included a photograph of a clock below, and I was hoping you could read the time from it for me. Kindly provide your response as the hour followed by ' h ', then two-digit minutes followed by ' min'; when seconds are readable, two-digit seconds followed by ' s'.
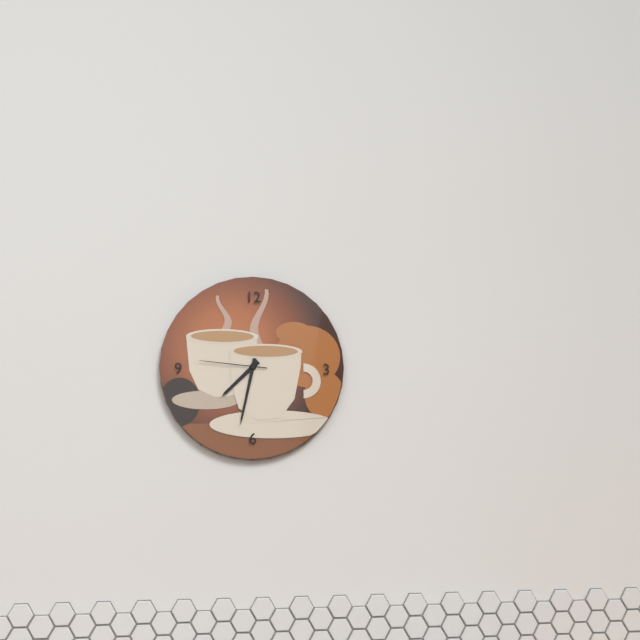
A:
7 h 32 min 46 s
